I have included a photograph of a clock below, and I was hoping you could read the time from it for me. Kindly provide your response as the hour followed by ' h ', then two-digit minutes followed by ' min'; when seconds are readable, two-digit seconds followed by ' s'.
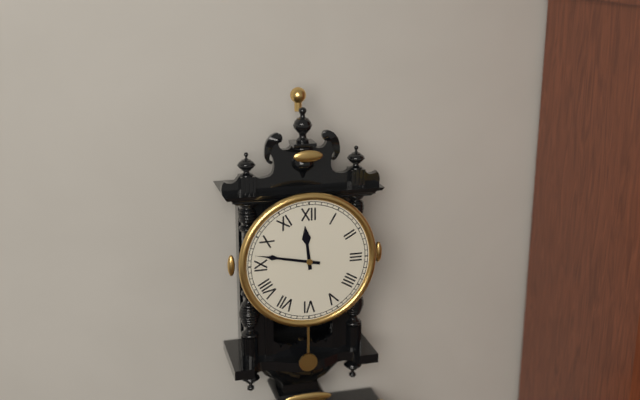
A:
11 h 47 min
